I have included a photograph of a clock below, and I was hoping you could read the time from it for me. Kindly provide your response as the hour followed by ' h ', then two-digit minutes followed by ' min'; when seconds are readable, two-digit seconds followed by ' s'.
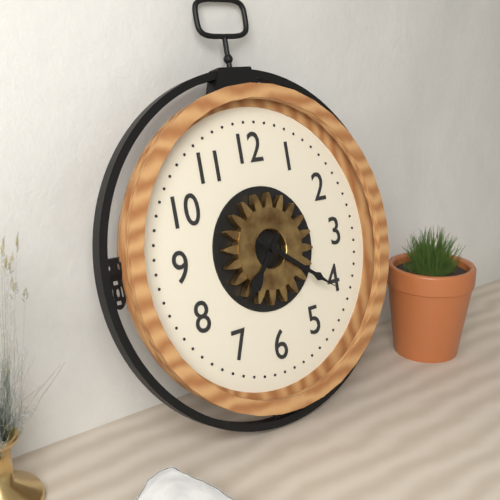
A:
7 h 21 min
